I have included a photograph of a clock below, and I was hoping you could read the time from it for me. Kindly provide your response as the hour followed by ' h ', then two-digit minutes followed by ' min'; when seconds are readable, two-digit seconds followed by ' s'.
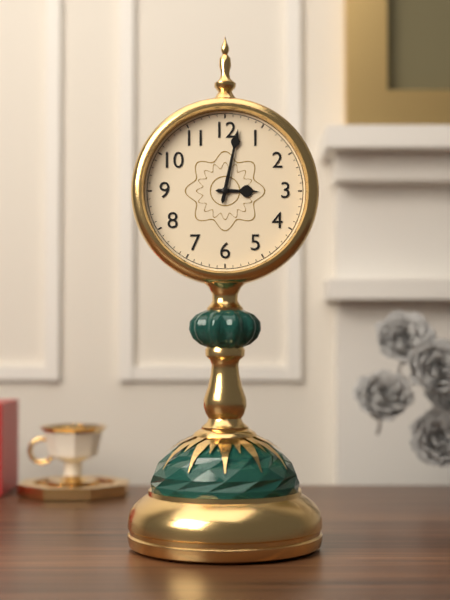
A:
3 h 02 min
